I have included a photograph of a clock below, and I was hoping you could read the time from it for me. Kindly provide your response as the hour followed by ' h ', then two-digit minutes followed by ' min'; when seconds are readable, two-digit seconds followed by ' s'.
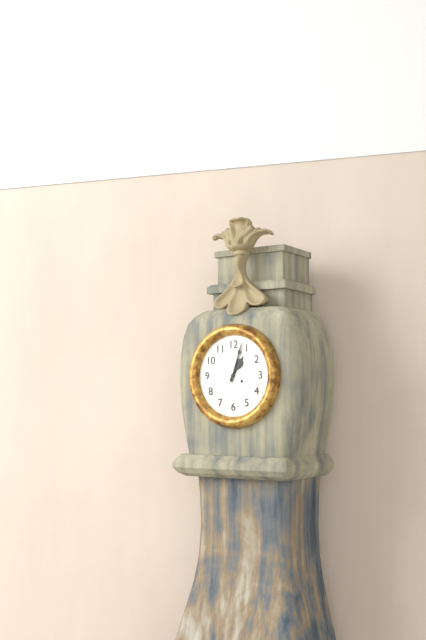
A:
1 h 03 min
